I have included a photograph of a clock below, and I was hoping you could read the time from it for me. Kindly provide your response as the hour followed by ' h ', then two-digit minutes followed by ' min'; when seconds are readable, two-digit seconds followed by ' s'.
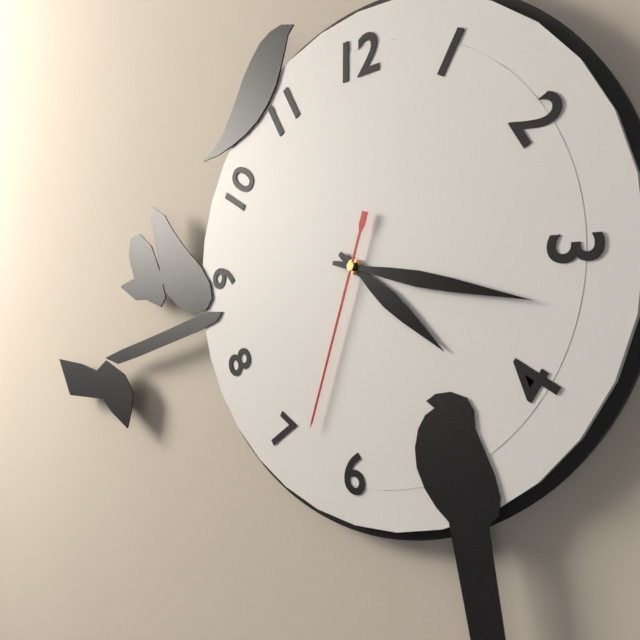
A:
4 h 17 min 33 s
